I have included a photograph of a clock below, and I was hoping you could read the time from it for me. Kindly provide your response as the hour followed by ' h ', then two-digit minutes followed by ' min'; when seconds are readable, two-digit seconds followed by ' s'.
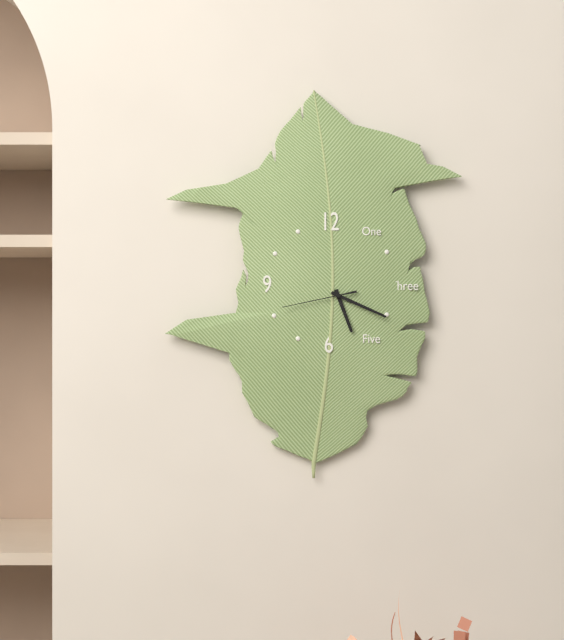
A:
5 h 19 min 43 s
